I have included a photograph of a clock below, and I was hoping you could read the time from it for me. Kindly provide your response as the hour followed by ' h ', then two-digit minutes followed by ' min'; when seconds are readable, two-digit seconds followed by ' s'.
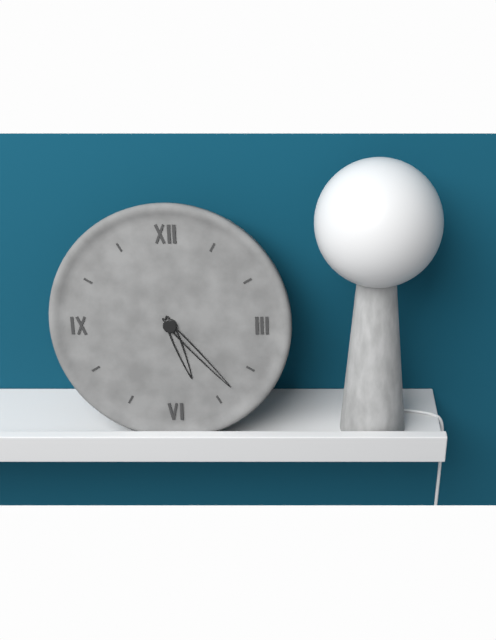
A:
5 h 23 min
